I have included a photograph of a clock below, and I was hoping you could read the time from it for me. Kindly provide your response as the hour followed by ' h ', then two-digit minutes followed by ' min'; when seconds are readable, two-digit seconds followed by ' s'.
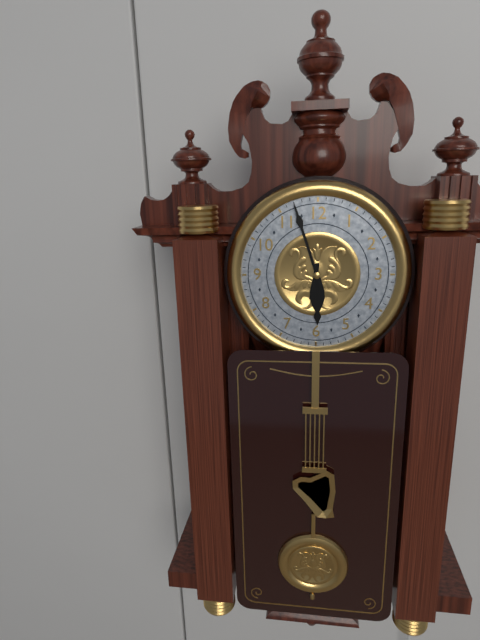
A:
5 h 57 min
